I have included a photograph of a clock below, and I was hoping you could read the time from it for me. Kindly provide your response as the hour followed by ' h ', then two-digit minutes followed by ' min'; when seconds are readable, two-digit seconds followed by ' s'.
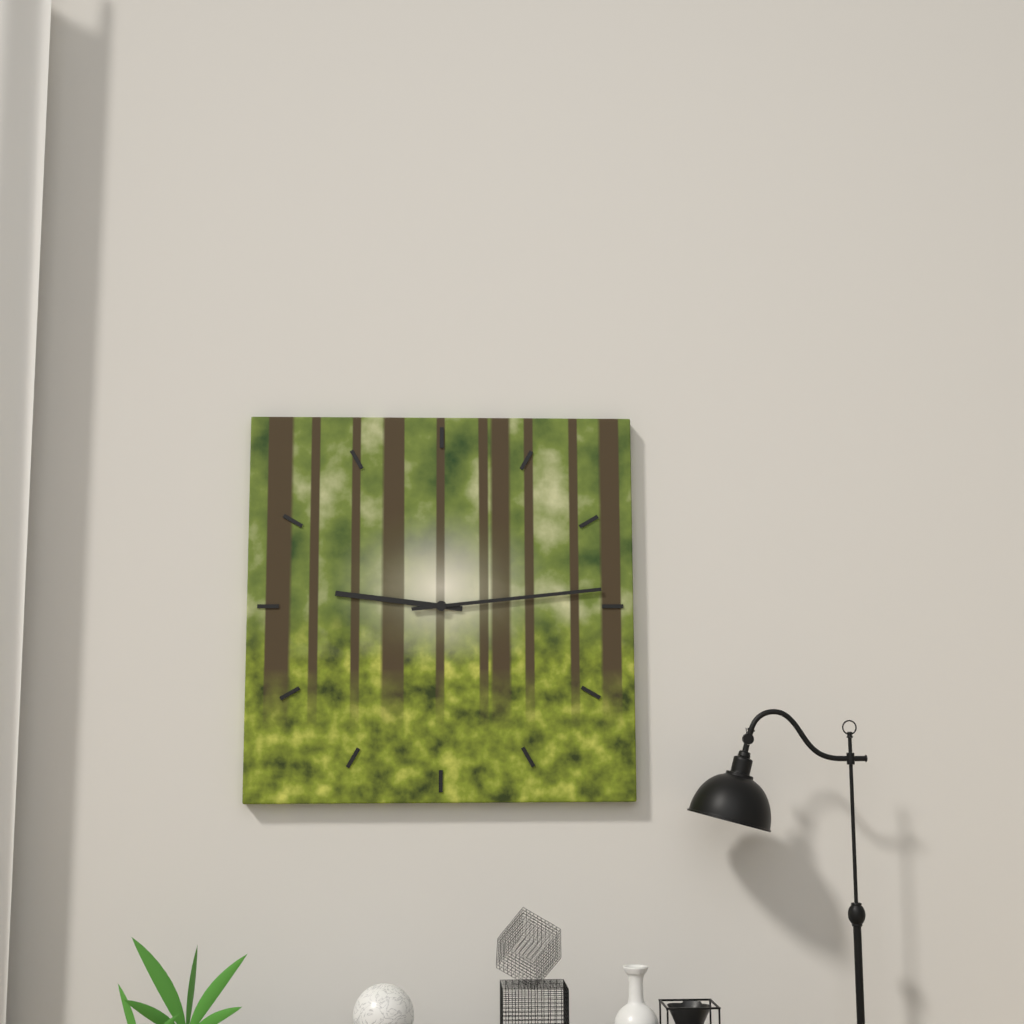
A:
9 h 14 min
